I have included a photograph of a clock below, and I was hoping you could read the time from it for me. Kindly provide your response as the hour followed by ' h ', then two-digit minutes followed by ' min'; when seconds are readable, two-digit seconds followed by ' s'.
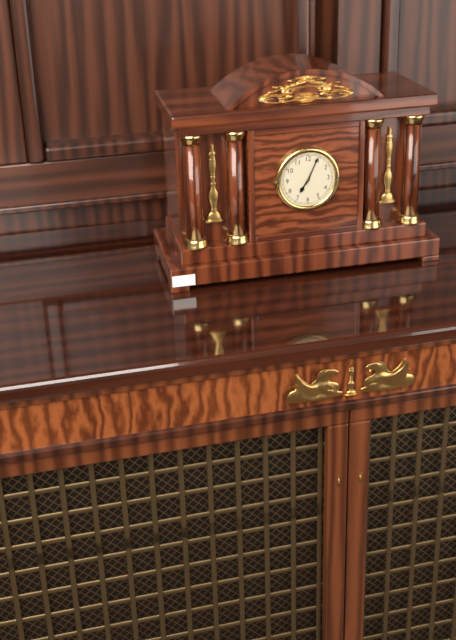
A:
7 h 04 min
